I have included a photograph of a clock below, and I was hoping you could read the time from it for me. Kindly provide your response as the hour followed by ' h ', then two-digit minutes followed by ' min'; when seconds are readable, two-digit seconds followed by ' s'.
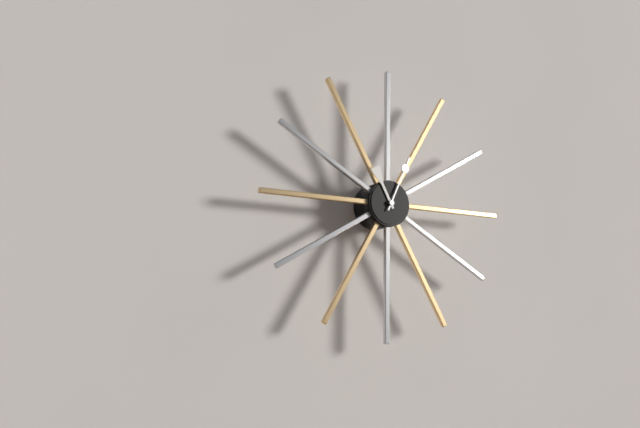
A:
11 h 04 min
